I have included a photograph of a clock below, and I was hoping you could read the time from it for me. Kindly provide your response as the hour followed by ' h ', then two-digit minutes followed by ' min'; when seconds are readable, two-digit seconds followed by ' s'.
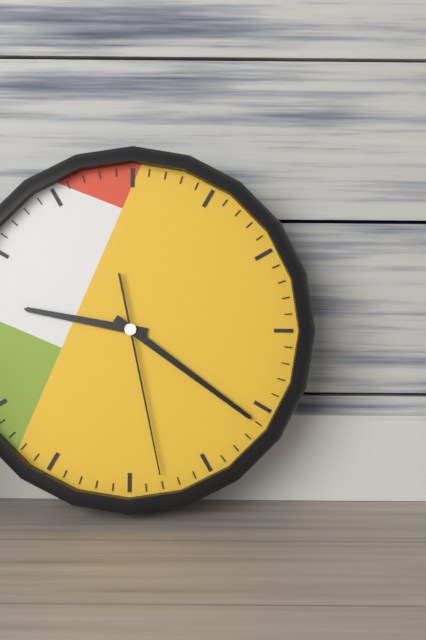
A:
9 h 21 min 28 s
